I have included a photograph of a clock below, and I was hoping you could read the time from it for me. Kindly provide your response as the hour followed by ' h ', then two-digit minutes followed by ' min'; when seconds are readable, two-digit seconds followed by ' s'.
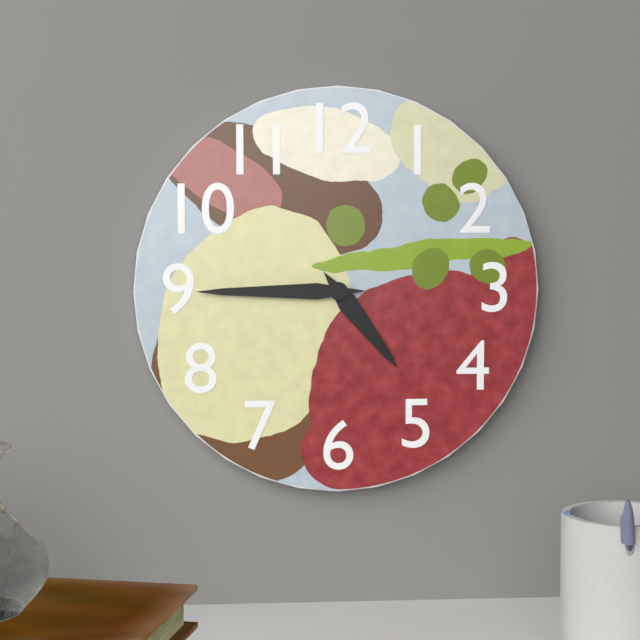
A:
4 h 45 min
